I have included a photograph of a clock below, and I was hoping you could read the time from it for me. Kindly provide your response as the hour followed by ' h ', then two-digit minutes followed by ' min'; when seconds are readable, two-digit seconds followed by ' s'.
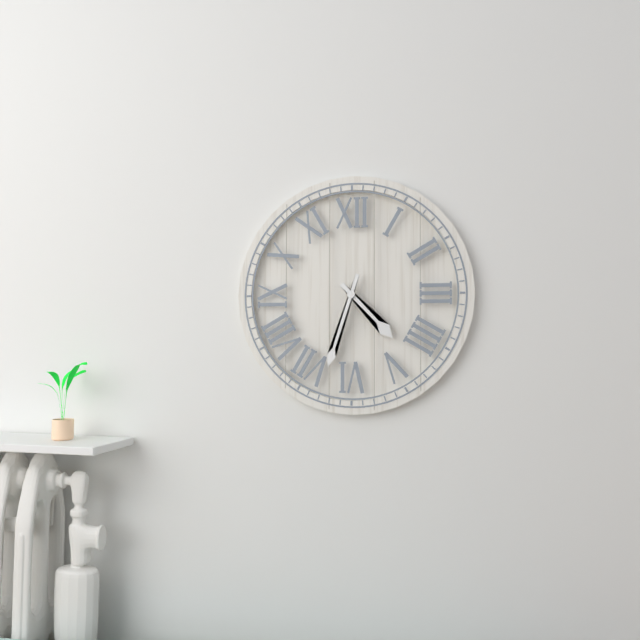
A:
4 h 33 min
